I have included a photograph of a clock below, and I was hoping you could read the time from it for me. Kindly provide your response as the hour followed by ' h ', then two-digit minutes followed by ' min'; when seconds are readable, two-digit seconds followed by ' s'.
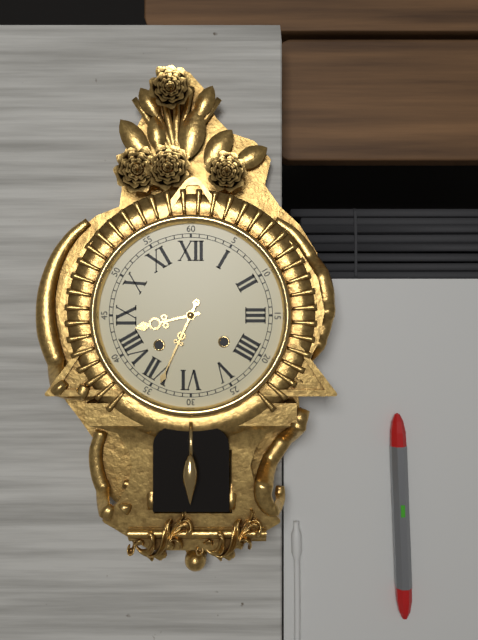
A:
8 h 34 min
